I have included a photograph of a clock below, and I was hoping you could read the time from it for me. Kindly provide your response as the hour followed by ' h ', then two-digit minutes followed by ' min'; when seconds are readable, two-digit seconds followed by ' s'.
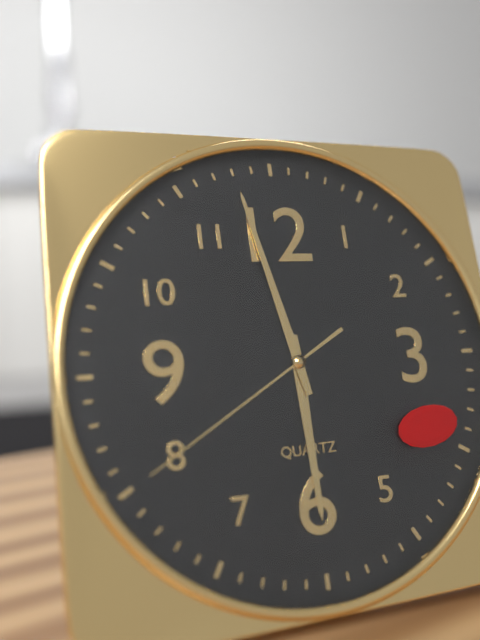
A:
5 h 58 min 40 s
